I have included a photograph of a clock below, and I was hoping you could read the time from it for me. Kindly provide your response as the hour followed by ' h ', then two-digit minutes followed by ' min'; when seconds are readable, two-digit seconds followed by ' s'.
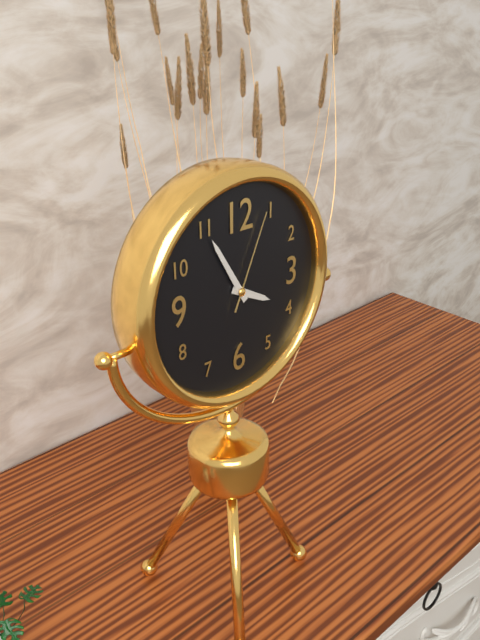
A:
3 h 55 min 04 s
